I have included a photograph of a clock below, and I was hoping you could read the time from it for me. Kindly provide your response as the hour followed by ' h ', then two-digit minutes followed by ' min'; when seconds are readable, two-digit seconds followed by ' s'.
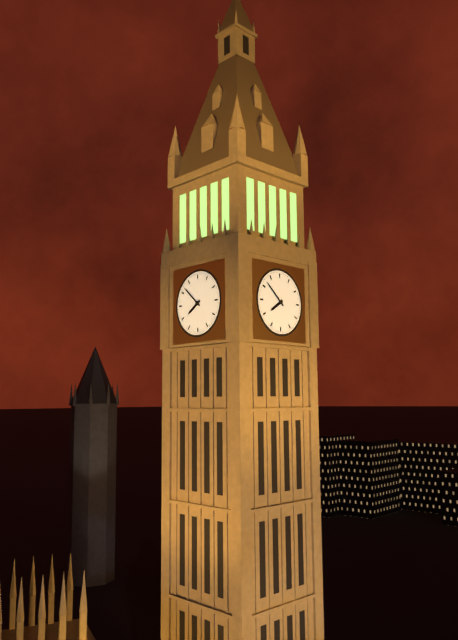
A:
7 h 52 min
